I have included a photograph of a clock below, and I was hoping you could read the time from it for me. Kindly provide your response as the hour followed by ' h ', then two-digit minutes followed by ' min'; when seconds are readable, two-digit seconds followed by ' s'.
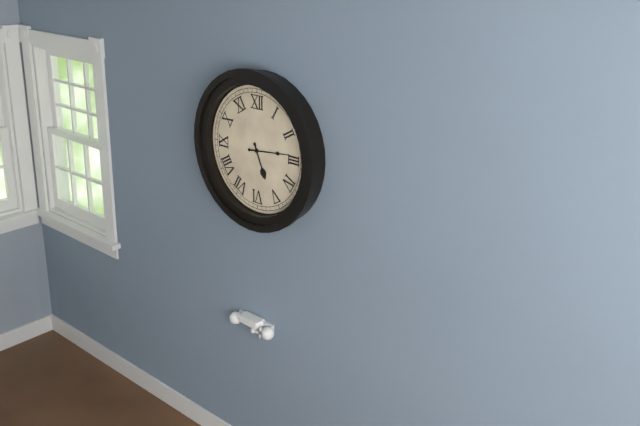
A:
5 h 14 min
